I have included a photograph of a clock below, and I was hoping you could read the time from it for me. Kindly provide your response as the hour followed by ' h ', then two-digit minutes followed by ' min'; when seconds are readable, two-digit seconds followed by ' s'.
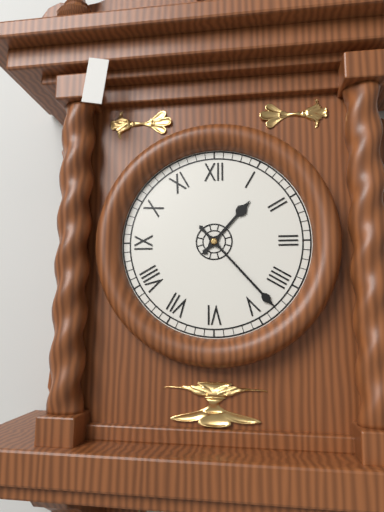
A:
1 h 23 min
